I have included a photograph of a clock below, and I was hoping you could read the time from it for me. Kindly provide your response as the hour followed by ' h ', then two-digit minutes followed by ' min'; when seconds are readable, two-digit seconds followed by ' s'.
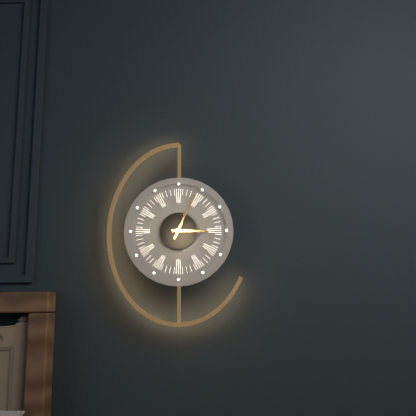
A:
3 h 04 min
